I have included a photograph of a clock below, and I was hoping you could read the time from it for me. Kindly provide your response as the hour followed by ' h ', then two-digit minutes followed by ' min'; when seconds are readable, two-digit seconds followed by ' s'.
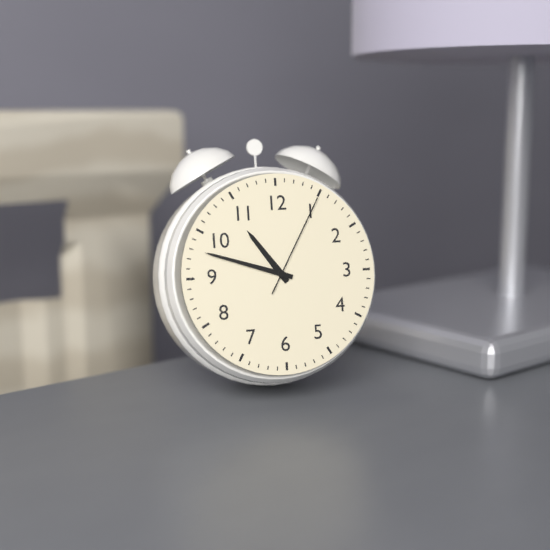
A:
10 h 48 min 05 s
